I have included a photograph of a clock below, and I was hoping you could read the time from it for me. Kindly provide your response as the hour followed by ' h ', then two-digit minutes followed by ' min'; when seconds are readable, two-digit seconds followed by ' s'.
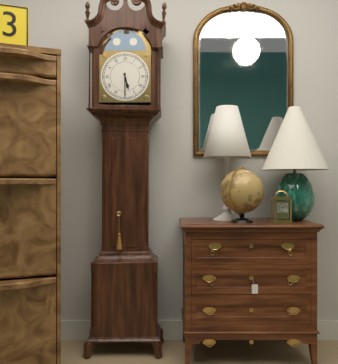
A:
5 h 30 min
